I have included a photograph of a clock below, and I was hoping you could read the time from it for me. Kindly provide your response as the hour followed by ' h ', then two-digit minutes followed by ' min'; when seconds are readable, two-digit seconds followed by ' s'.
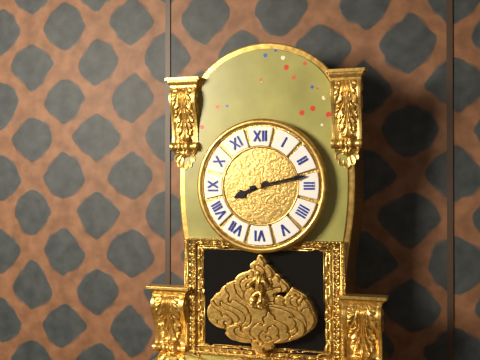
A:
8 h 13 min
